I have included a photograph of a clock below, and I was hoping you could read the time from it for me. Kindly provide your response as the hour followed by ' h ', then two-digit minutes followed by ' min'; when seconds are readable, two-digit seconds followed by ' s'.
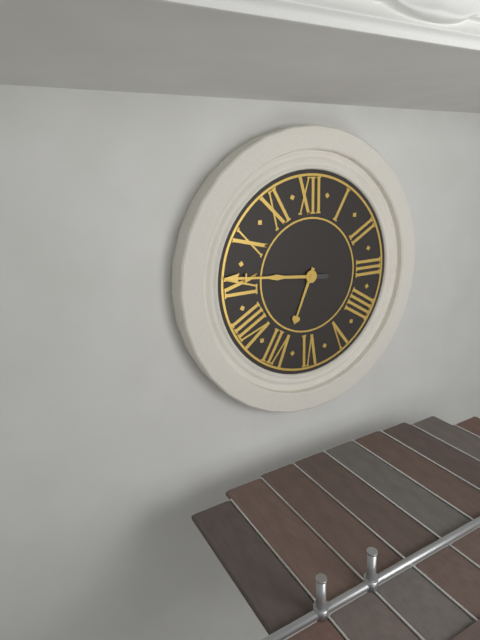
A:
6 h 46 min
